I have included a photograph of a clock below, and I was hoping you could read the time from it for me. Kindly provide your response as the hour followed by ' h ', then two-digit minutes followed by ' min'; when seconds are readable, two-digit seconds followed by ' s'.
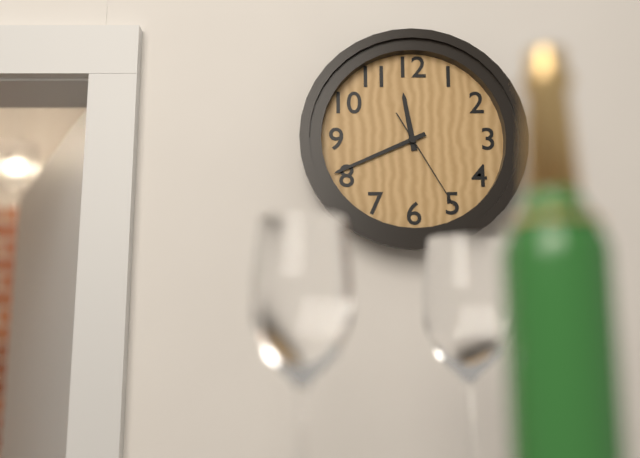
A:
11 h 41 min 25 s
